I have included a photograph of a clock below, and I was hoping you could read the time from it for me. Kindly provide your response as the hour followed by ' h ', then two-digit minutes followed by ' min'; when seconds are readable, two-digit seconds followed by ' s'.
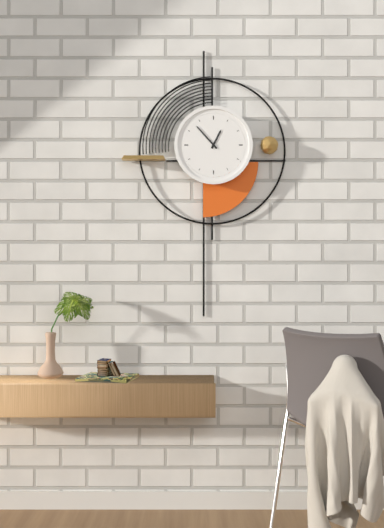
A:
12 h 53 min
